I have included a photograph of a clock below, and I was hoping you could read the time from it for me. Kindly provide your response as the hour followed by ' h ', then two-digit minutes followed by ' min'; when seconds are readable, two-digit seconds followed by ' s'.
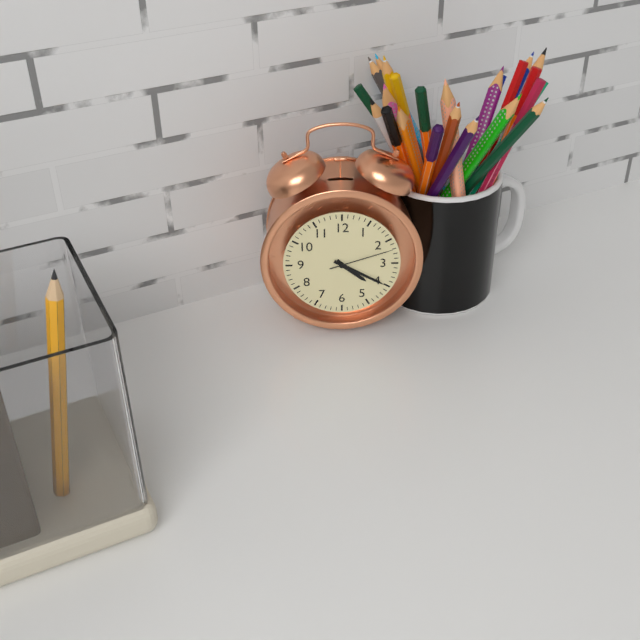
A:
4 h 20 min 12 s
